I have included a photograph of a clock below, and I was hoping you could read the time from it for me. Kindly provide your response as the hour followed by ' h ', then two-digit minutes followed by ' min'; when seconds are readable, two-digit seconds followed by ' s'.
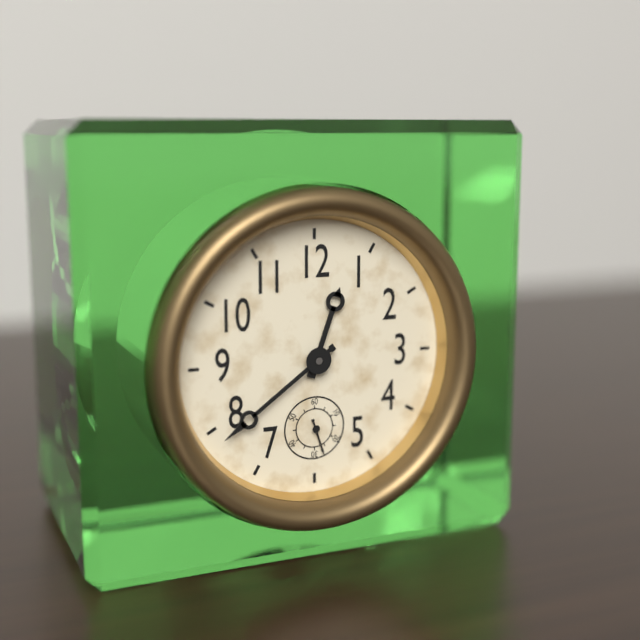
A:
12 h 39 min
